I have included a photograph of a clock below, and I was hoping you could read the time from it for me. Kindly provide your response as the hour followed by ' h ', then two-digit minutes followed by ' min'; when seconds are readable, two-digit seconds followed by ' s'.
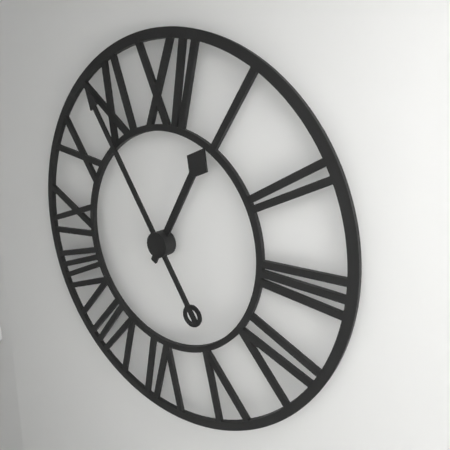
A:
12 h 54 min
